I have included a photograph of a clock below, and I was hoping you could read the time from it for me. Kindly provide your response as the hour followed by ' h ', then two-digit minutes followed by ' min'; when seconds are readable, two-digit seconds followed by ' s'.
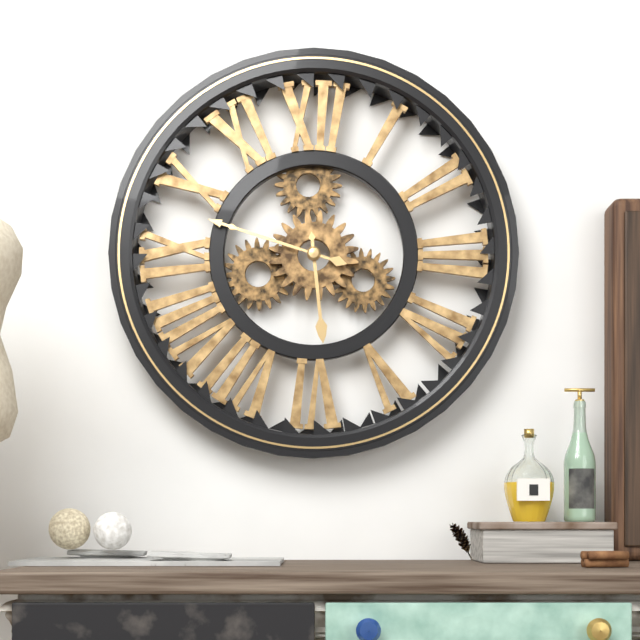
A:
5 h 48 min
